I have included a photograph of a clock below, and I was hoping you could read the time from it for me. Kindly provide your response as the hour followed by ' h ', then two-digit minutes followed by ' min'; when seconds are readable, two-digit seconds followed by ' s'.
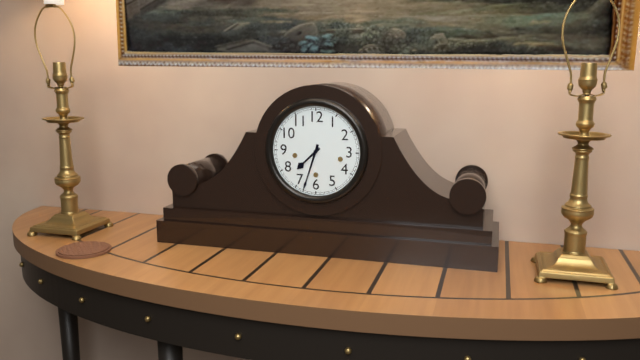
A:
7 h 33 min
